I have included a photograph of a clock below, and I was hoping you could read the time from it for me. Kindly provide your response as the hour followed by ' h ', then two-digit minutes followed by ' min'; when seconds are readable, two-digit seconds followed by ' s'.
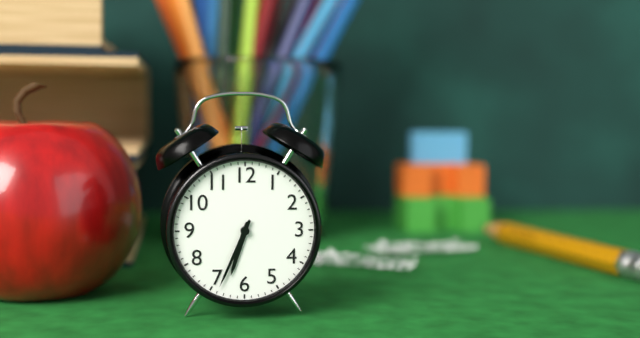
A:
6 h 34 min
